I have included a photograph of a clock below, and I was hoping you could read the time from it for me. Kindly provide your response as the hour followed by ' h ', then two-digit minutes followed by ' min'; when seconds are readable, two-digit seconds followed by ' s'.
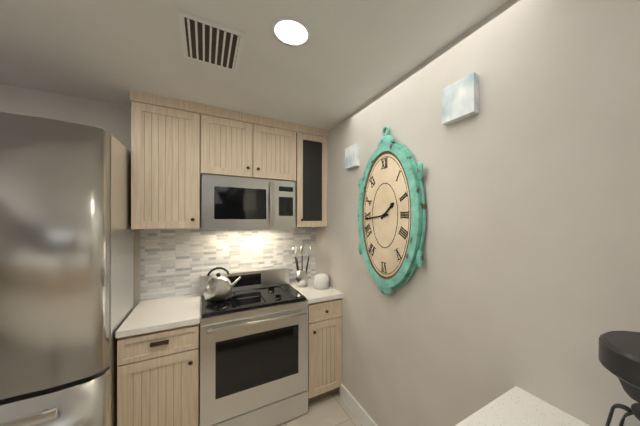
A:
1 h 44 min
